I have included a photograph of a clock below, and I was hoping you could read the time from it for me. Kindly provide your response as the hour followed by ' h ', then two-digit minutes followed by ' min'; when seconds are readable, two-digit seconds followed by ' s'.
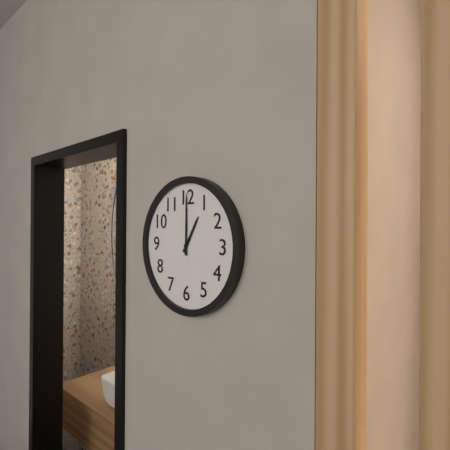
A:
1 h 00 min
